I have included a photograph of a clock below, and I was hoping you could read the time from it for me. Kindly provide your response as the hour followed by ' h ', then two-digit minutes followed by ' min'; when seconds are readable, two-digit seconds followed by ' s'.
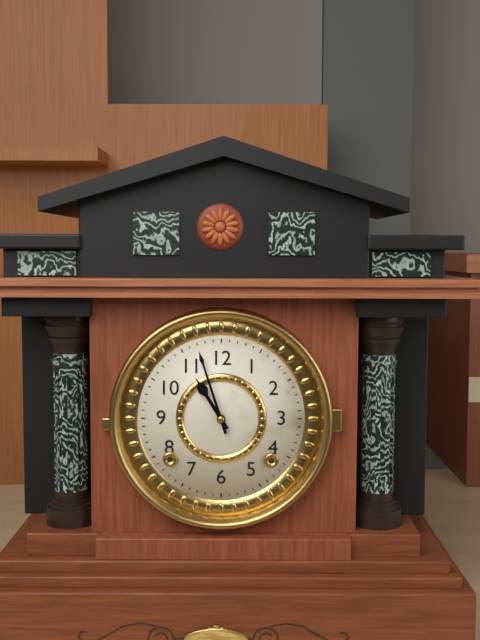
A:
10 h 57 min
